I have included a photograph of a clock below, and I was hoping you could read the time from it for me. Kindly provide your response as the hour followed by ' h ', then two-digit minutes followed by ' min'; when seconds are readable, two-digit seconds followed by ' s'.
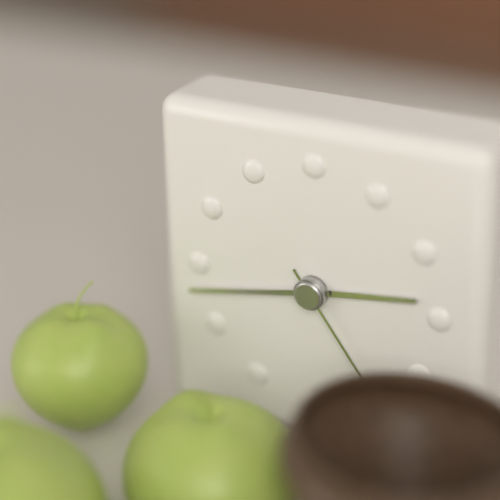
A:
2 h 43 min
